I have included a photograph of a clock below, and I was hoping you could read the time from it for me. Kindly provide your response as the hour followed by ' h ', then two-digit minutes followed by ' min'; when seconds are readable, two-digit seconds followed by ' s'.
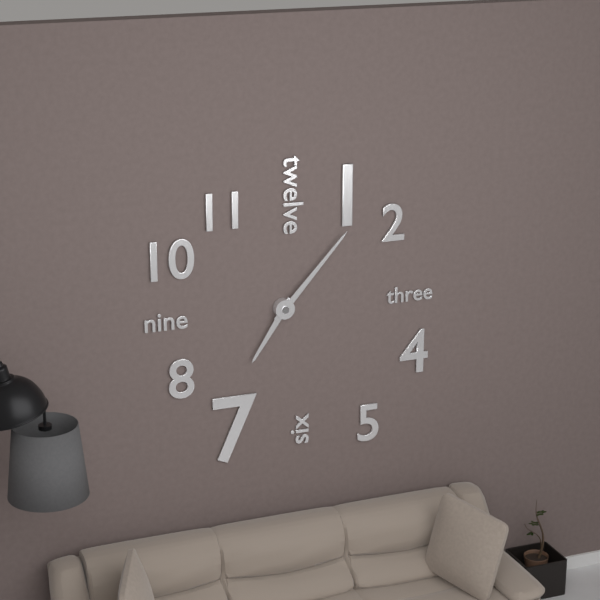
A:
7 h 07 min
